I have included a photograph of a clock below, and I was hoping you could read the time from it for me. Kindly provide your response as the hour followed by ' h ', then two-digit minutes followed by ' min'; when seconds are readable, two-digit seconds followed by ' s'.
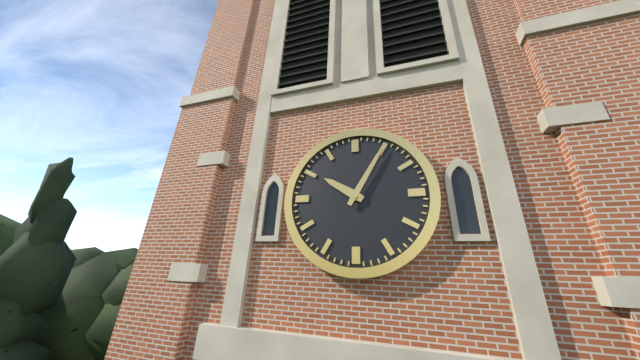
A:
10 h 05 min
